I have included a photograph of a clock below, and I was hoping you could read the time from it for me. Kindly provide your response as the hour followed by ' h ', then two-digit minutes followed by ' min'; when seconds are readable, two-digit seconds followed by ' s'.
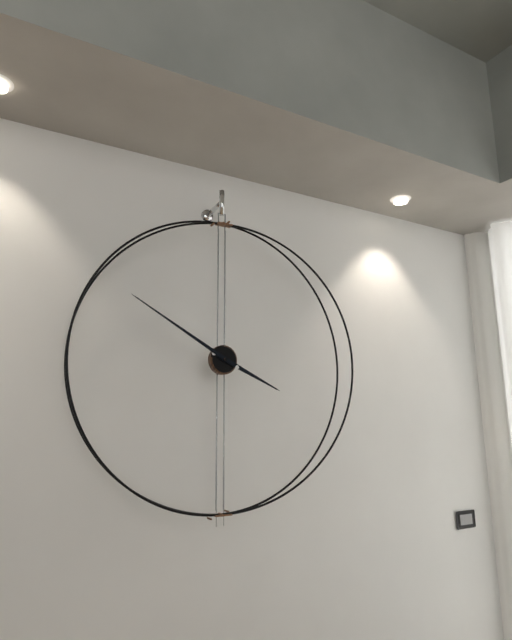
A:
3 h 50 min
